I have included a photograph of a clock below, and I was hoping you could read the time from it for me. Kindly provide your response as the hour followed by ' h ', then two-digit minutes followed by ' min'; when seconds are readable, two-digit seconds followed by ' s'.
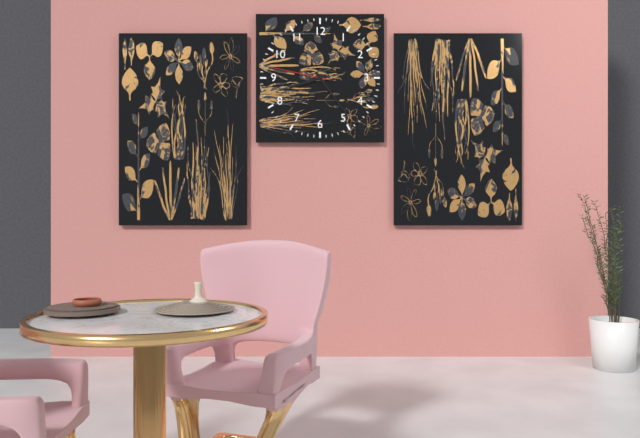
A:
8 h 24 min 47 s
